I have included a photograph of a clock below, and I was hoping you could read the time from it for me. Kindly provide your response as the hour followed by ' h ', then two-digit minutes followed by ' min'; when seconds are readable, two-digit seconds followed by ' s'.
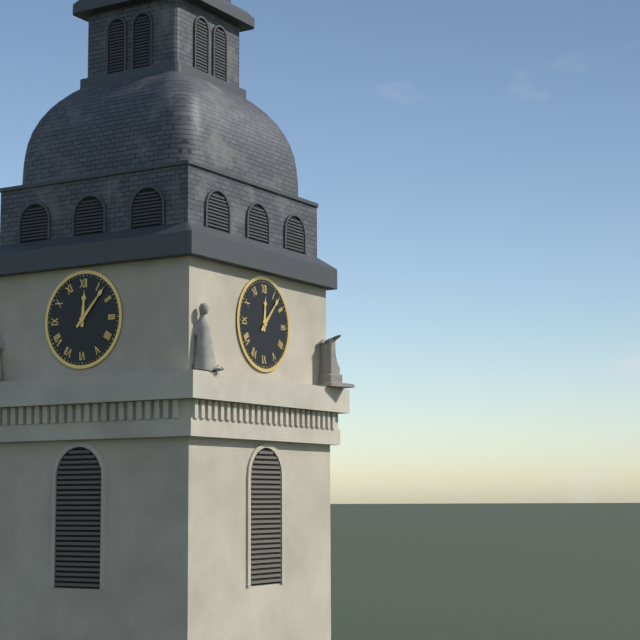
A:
12 h 07 min
